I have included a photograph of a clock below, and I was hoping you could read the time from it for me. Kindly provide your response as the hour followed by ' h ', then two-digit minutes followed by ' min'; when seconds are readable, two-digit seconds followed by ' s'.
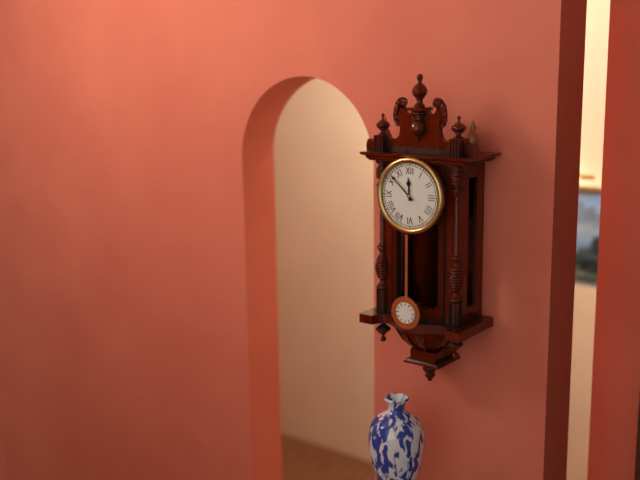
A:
11 h 52 min
